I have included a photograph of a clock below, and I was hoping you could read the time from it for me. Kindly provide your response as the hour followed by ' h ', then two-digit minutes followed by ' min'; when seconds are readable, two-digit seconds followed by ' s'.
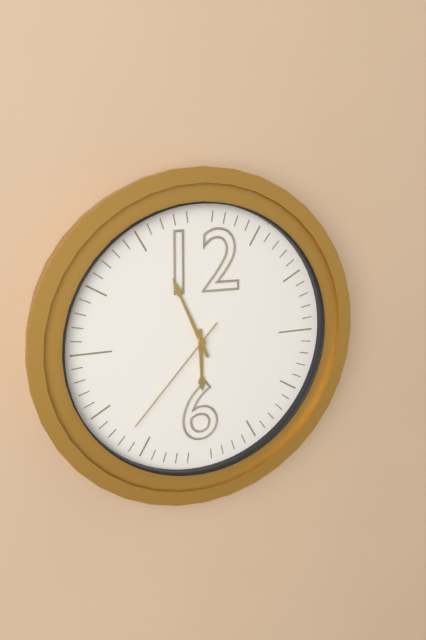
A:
5 h 56 min 37 s
